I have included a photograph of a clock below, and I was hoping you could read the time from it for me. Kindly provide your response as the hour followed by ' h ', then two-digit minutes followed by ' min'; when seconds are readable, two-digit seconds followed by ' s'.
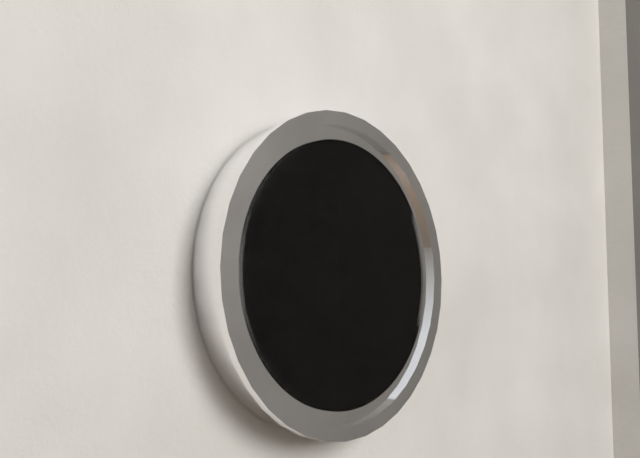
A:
12 h 18 min
